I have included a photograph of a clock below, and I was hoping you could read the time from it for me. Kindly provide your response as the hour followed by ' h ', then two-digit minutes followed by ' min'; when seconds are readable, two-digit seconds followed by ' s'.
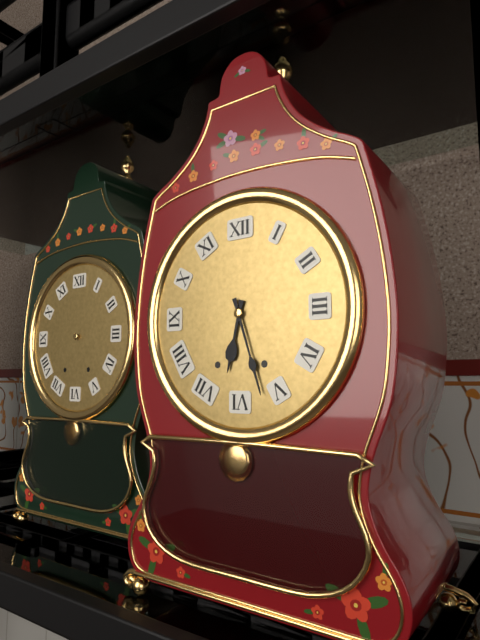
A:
6 h 27 min
